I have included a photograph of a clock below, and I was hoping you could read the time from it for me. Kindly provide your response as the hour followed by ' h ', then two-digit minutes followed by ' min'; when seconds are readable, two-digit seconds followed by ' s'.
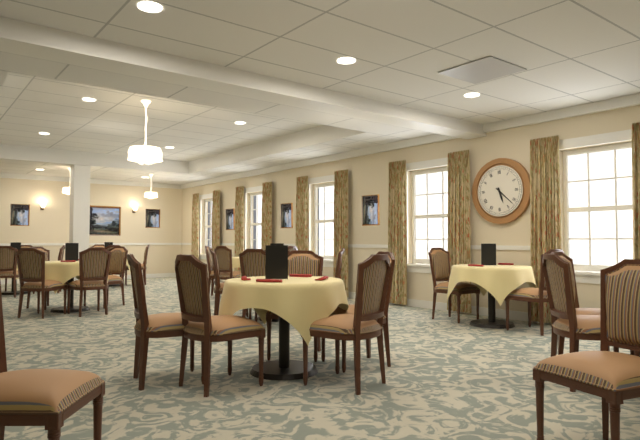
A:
5 h 22 min
